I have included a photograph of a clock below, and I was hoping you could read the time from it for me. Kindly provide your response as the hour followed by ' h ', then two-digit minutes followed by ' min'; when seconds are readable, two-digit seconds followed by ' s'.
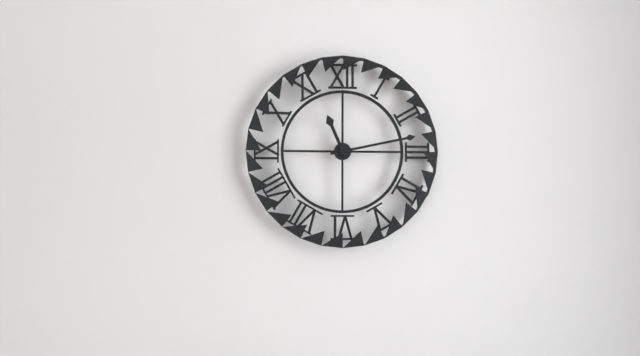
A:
11 h 13 min
